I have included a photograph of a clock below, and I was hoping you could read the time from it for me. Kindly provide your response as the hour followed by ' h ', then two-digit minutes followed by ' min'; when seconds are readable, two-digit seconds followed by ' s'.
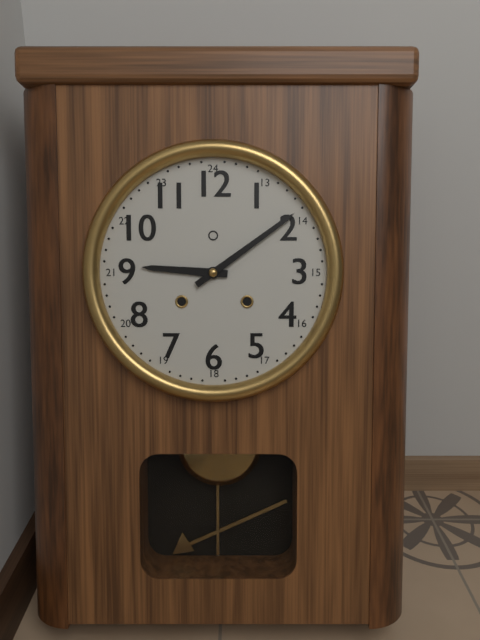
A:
9 h 09 min
